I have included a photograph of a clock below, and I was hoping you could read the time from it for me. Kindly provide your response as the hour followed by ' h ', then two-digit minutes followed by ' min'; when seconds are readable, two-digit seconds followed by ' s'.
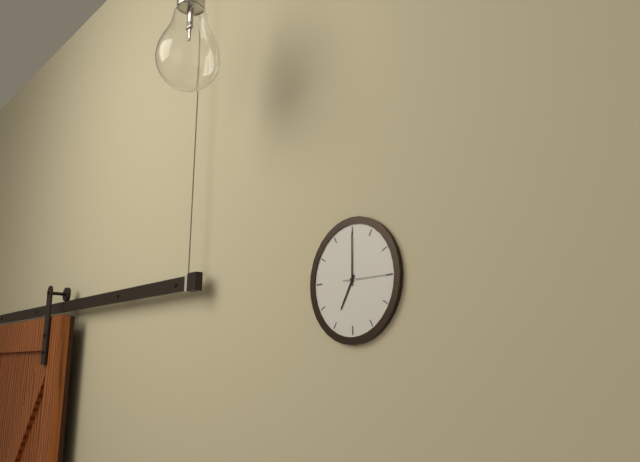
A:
7 h 00 min
